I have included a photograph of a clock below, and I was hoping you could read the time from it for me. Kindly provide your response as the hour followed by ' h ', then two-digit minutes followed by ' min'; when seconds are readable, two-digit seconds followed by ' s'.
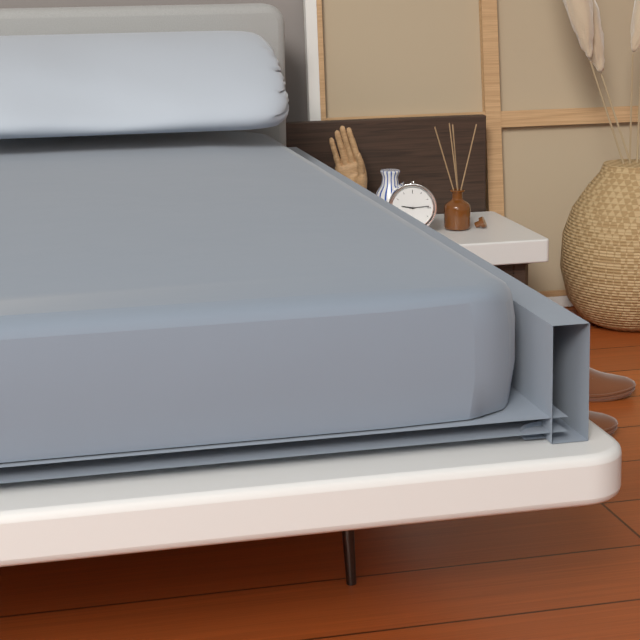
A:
9 h 14 min
